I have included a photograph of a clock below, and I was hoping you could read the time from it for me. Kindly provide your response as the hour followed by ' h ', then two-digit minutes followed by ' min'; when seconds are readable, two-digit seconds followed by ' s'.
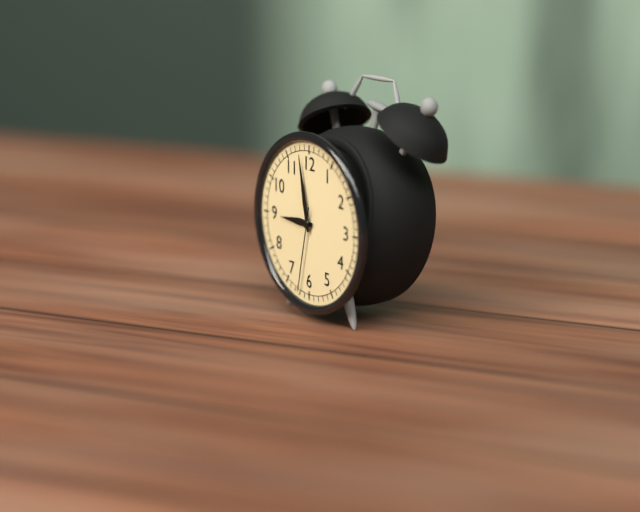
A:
8 h 58 min 32 s
